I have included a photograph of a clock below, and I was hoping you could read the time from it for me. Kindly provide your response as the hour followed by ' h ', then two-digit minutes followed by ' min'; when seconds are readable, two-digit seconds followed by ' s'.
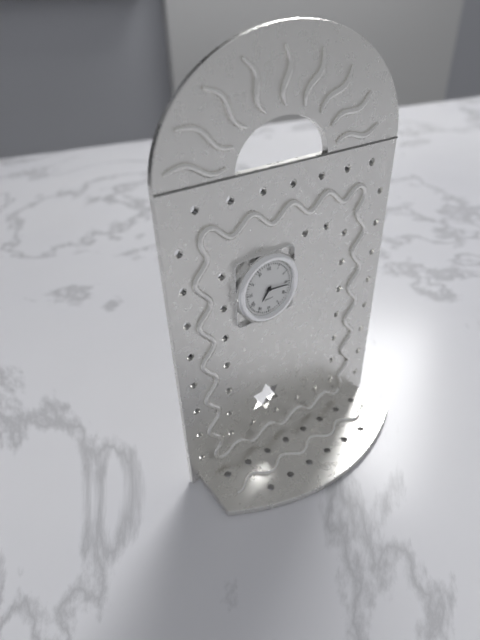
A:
7 h 16 min
